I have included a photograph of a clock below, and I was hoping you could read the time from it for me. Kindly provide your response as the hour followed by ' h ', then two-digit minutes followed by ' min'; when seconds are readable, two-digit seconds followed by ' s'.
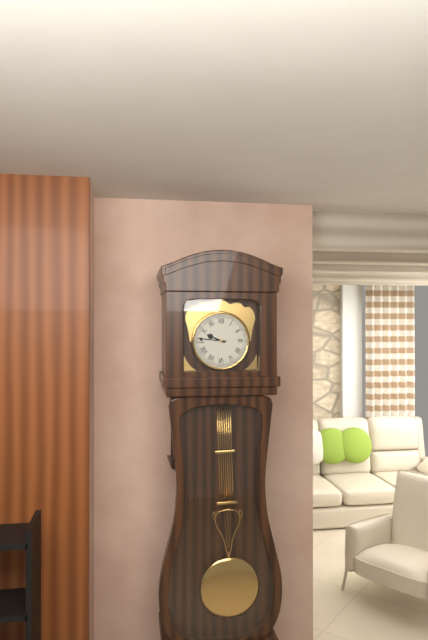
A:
9 h 46 min
